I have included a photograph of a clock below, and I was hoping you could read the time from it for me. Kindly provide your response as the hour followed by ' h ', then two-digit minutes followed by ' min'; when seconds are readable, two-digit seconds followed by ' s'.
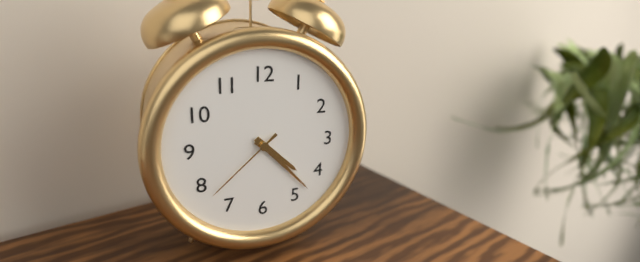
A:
4 h 23 min 38 s
